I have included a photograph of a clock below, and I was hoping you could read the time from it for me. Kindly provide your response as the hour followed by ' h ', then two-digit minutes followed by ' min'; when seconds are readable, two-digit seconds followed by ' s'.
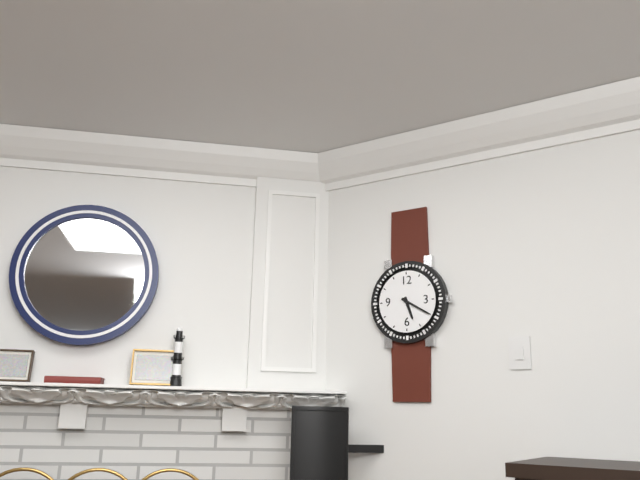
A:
5 h 20 min
